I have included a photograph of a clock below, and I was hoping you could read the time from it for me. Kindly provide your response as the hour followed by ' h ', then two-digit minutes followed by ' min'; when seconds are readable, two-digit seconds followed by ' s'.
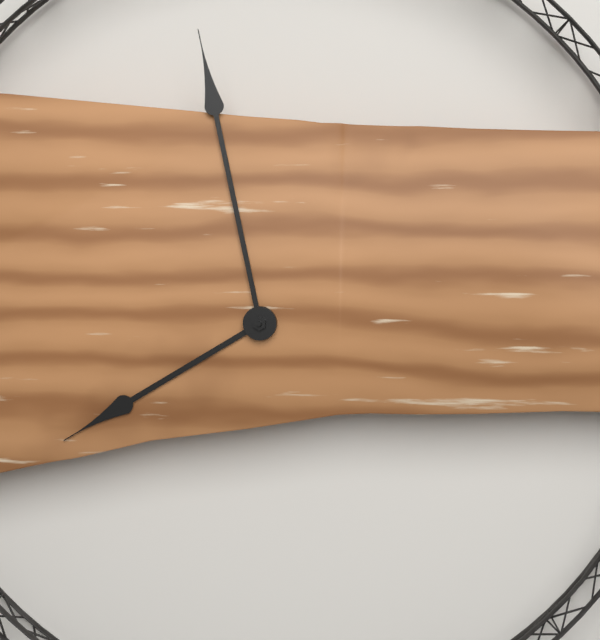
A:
7 h 58 min
